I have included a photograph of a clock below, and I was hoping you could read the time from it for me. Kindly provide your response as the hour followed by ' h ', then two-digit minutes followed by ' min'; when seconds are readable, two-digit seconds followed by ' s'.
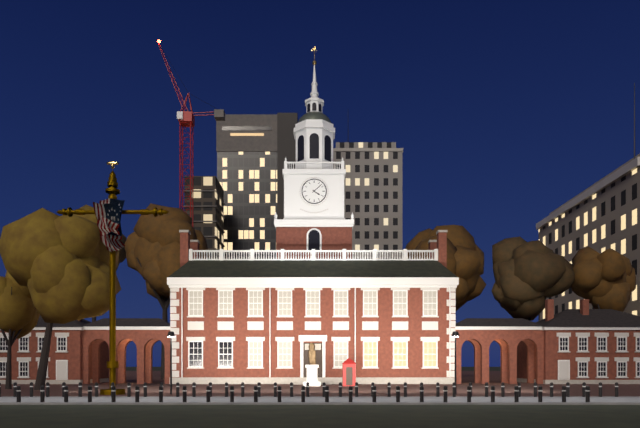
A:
4 h 08 min
